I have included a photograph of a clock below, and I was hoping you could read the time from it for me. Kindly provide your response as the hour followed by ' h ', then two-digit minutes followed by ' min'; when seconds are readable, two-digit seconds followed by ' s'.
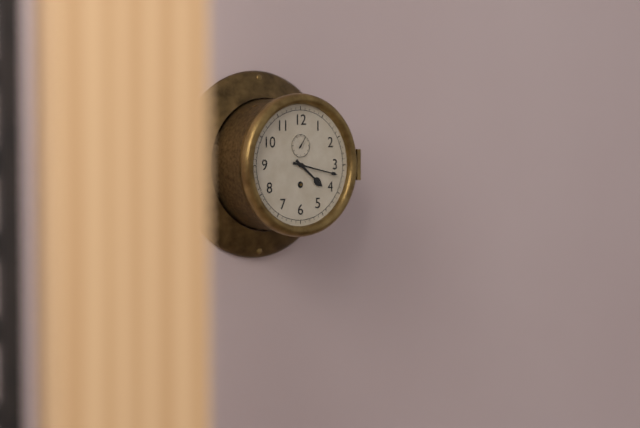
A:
4 h 17 min
